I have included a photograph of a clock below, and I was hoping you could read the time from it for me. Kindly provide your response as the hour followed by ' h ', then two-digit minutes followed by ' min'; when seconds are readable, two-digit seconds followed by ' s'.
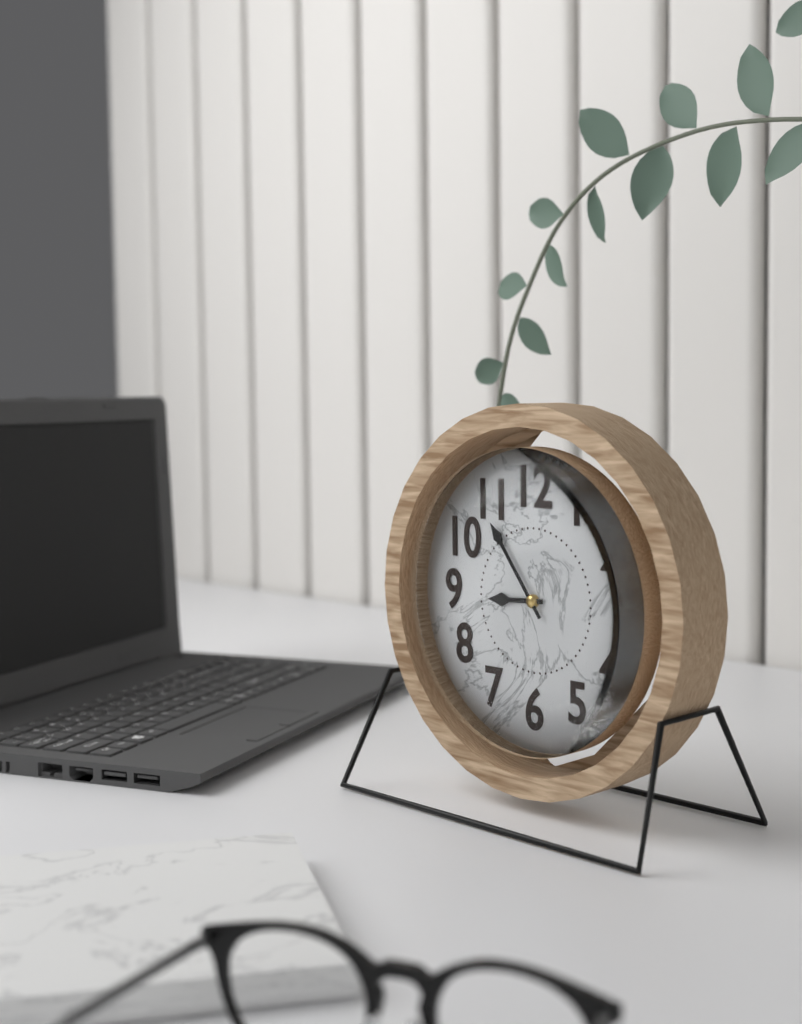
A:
8 h 54 min
